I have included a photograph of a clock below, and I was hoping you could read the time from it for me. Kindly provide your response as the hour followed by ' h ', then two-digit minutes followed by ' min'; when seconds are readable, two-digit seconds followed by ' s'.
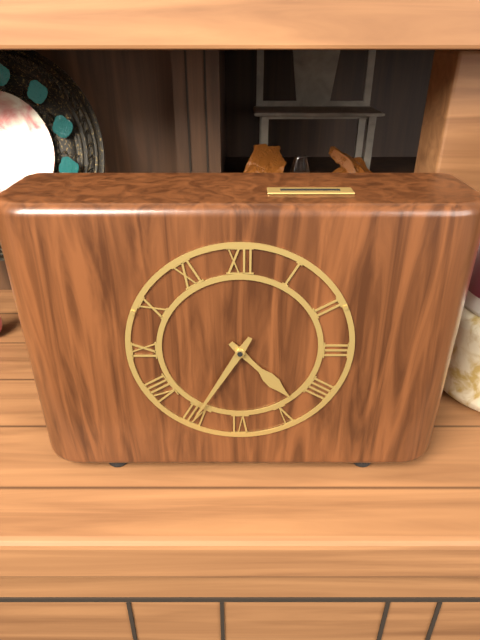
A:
4 h 35 min
